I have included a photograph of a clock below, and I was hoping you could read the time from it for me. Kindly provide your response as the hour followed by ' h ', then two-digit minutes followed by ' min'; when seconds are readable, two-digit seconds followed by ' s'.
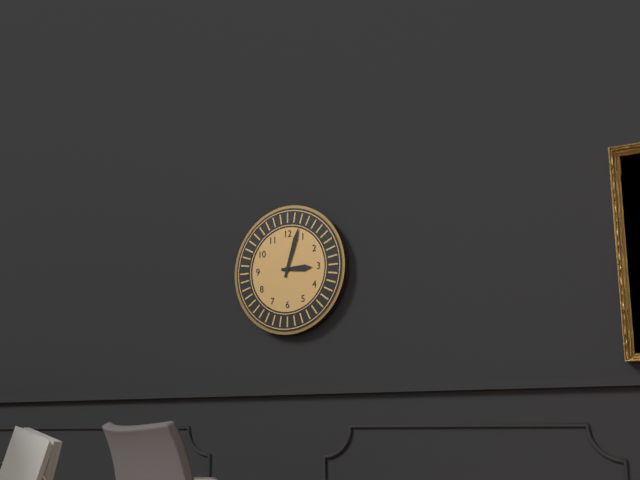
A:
3 h 03 min
